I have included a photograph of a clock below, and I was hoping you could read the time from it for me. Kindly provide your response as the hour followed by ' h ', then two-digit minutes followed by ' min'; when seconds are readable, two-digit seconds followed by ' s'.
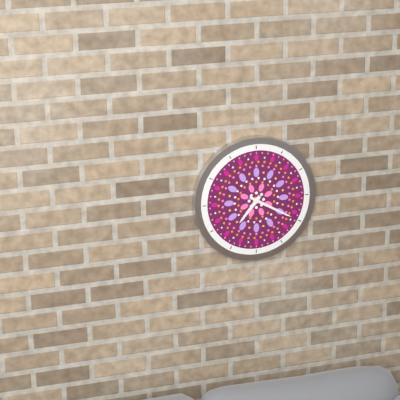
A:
7 h 20 min
